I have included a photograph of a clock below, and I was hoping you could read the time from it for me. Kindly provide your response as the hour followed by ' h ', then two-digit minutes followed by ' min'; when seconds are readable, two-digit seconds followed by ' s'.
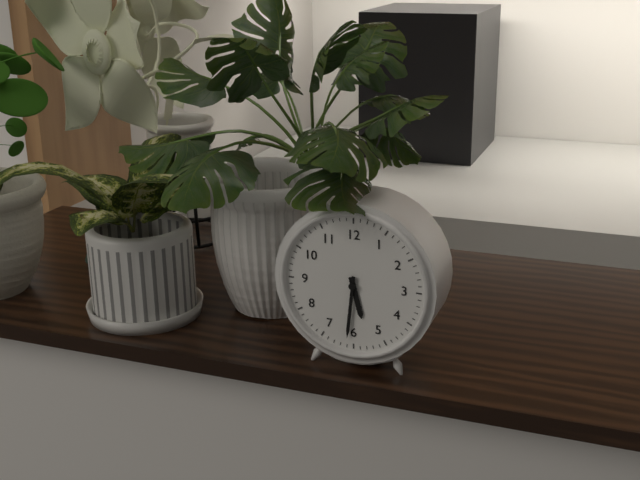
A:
5 h 31 min
